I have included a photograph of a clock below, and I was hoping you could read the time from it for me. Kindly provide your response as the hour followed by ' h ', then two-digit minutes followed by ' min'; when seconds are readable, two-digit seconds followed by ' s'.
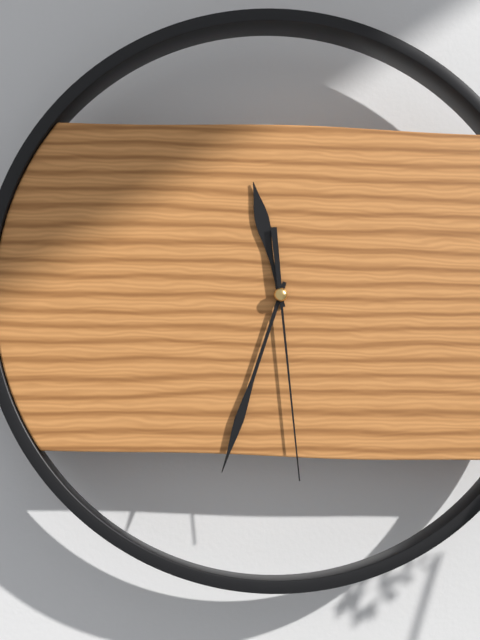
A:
11 h 33 min 29 s
